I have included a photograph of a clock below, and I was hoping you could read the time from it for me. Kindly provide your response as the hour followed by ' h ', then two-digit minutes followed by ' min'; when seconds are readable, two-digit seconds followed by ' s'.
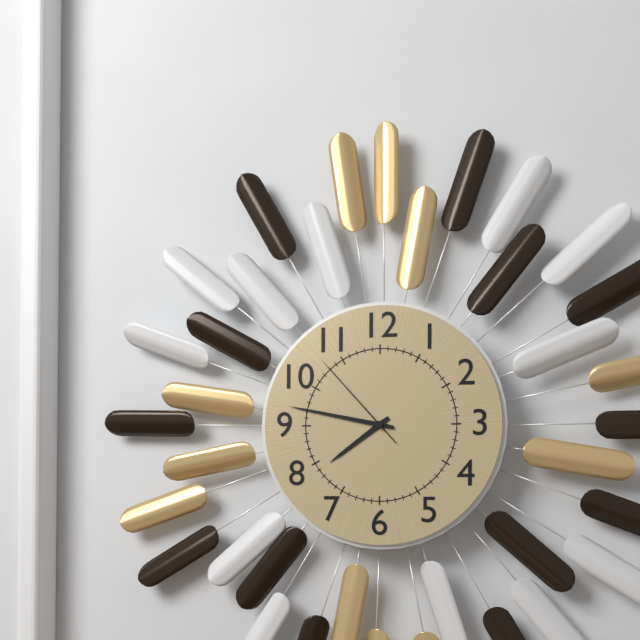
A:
7 h 47 min 53 s
